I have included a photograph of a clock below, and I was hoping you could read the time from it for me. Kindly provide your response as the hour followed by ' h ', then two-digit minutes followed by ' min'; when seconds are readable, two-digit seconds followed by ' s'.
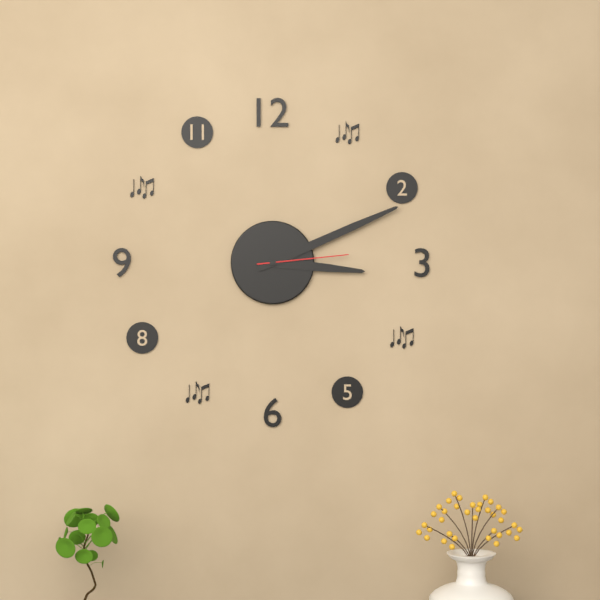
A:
3 h 11 min 14 s
